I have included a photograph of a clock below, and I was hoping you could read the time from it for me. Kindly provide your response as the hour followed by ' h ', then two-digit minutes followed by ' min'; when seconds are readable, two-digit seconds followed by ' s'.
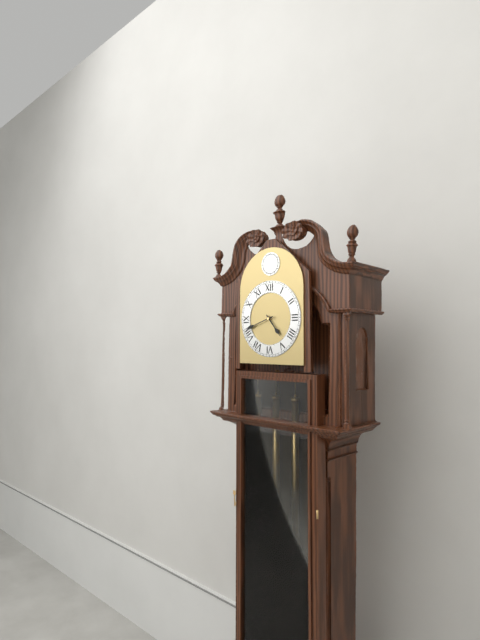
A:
4 h 42 min
